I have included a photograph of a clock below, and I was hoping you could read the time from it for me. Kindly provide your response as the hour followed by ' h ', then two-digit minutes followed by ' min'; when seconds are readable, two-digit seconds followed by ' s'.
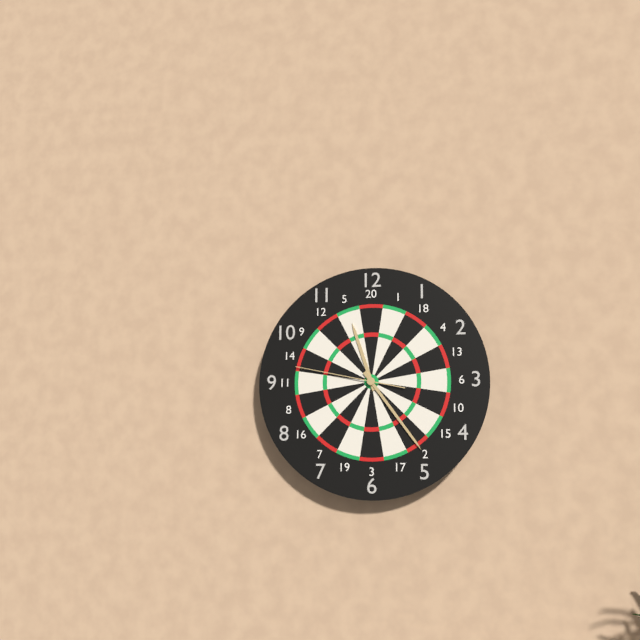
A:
11 h 24 min 47 s
